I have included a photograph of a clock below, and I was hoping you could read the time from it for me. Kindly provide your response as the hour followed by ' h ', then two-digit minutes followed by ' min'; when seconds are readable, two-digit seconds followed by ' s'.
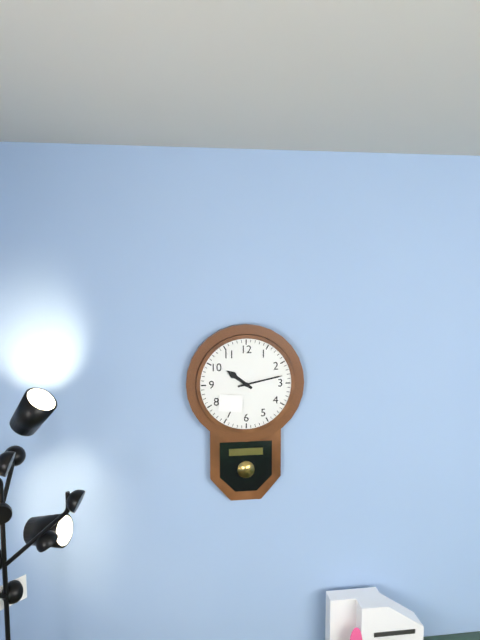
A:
10 h 13 min
